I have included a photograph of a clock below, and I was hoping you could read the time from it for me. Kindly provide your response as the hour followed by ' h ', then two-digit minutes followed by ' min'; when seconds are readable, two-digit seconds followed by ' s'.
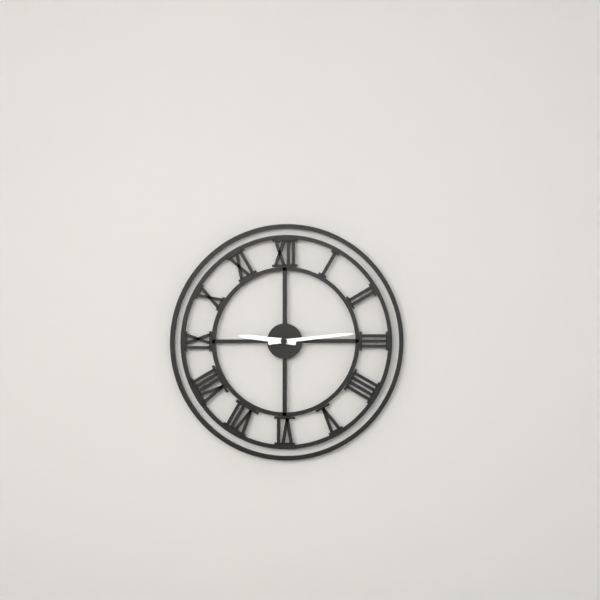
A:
9 h 14 min
